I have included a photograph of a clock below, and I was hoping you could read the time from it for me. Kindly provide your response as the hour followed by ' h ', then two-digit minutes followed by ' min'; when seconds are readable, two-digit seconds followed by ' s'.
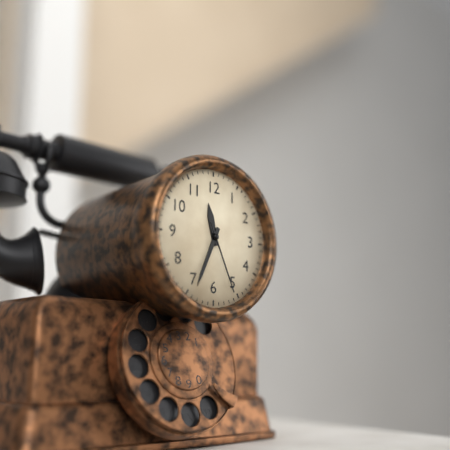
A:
11 h 34 min 26 s
